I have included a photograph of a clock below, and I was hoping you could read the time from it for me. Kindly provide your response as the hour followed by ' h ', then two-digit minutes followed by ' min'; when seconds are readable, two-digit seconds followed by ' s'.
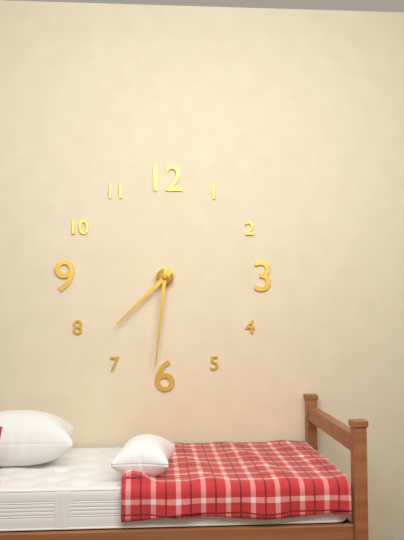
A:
7 h 31 min
